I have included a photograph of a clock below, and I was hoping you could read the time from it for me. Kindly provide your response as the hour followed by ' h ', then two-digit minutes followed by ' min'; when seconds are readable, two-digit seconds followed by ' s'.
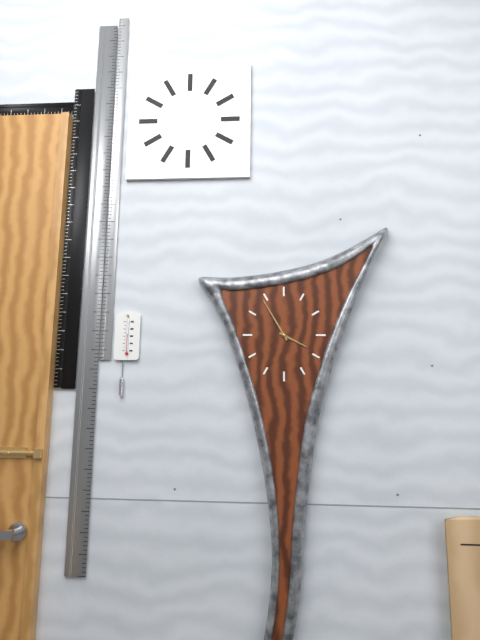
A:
3 h 55 min
